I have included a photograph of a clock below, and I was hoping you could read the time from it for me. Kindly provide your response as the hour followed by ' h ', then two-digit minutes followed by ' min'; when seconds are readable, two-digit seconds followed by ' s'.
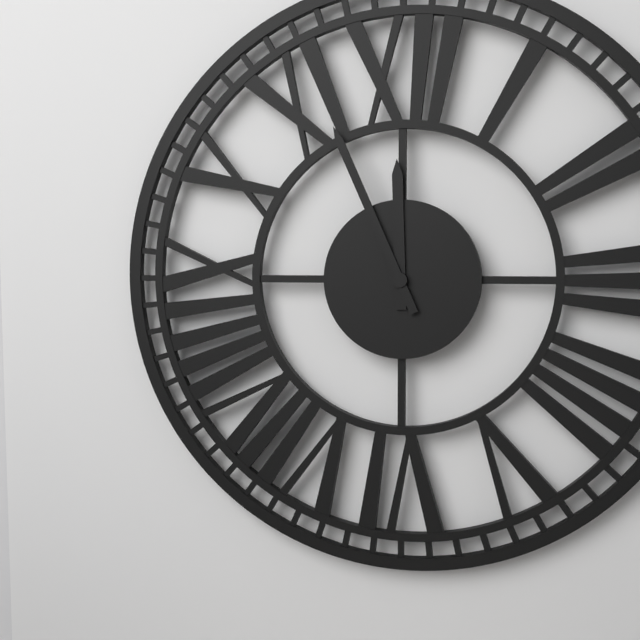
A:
11 h 56 min
